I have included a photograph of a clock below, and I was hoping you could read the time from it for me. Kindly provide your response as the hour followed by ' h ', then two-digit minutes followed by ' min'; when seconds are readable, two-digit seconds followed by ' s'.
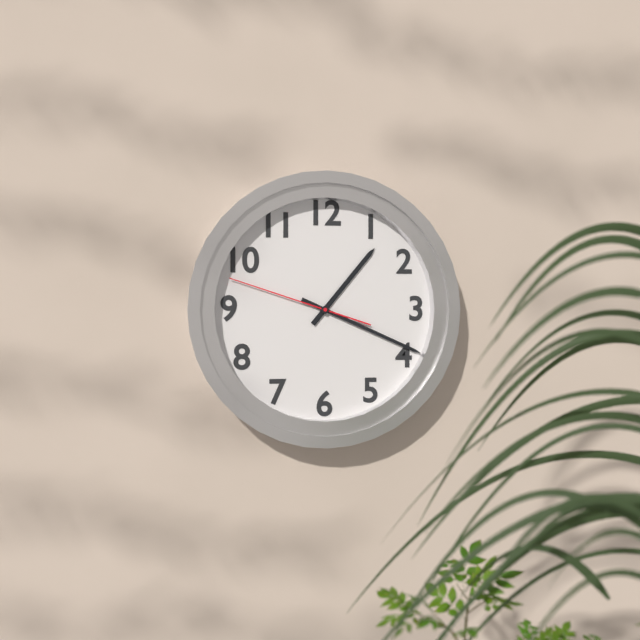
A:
1 h 19 min 48 s
